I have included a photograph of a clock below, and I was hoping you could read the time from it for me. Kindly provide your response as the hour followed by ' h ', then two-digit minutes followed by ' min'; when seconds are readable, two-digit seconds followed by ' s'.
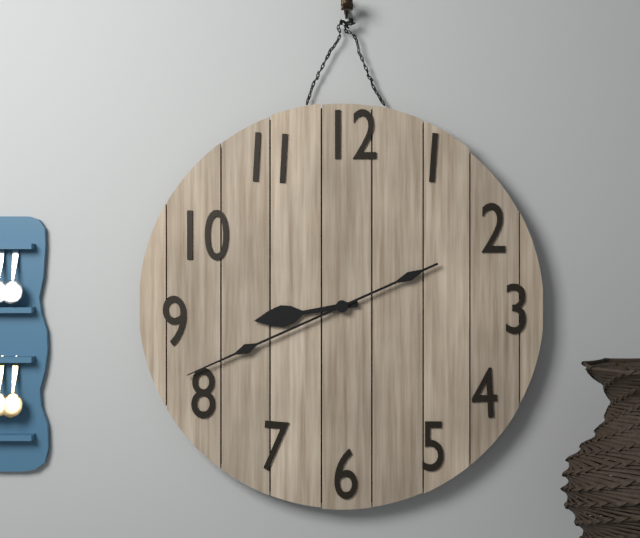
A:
8 h 41 min
